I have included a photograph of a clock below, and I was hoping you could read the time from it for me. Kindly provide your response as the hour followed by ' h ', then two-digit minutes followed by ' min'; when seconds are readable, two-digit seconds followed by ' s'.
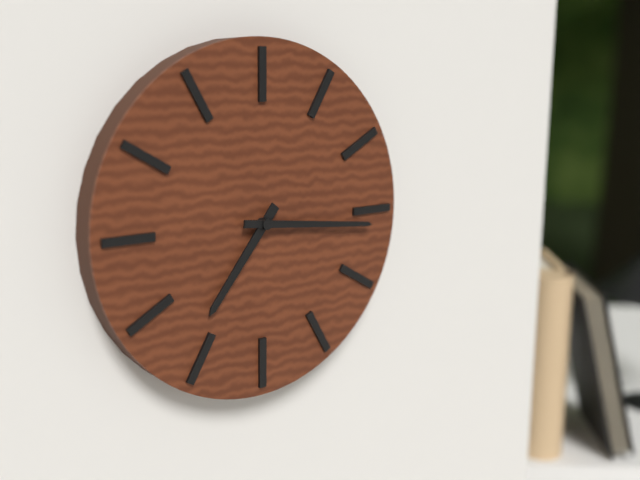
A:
7 h 16 min
